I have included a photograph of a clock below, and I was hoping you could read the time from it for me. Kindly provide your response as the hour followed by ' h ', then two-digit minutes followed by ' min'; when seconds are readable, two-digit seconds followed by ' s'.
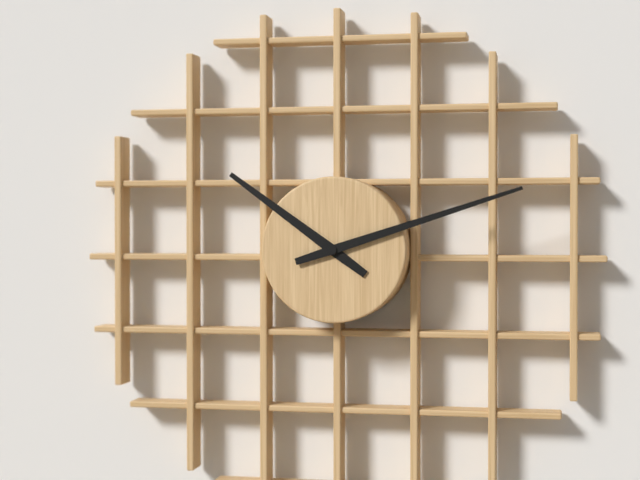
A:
10 h 12 min
